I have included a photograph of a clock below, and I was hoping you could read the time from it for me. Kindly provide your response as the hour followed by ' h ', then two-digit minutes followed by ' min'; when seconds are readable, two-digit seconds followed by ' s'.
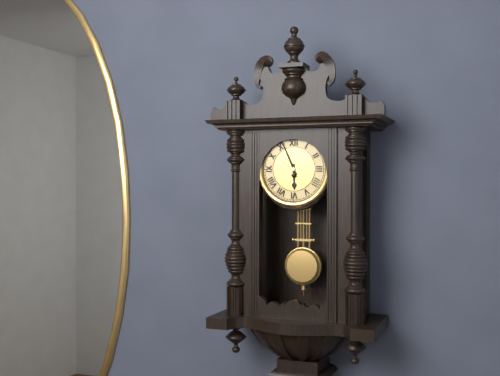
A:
5 h 56 min
